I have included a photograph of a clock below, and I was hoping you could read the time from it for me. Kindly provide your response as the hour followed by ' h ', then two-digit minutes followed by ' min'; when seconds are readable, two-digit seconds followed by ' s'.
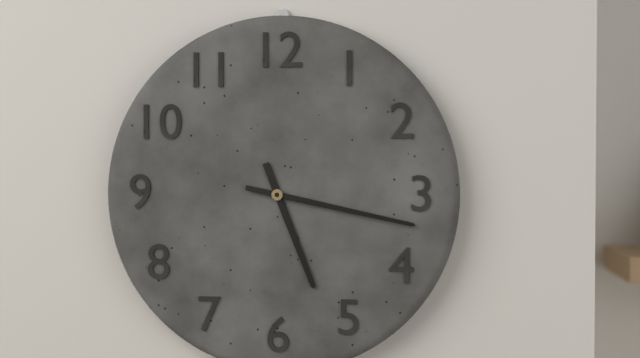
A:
5 h 17 min
